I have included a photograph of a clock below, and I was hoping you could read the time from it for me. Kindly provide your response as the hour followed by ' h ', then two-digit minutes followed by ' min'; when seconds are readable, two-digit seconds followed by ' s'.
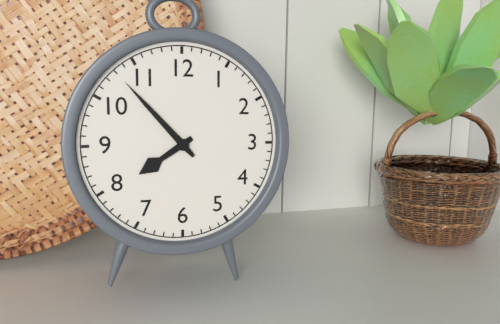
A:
7 h 53 min
